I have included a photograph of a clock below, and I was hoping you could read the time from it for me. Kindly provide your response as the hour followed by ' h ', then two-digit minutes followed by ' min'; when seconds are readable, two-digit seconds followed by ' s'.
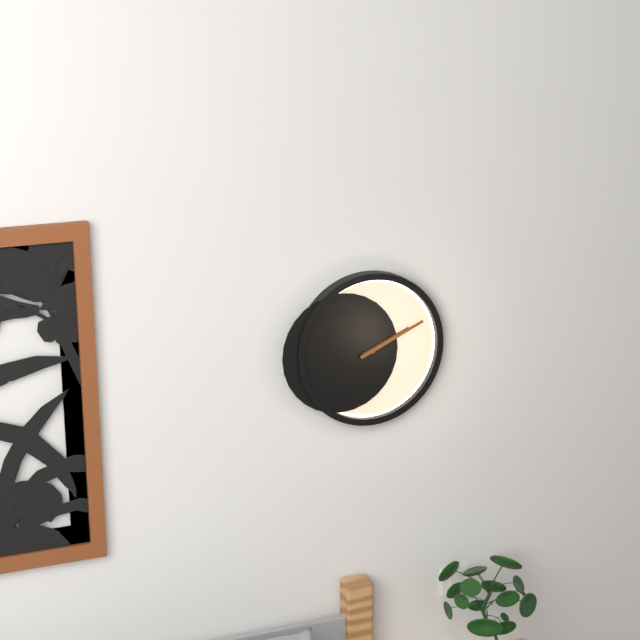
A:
2 h 11 min
